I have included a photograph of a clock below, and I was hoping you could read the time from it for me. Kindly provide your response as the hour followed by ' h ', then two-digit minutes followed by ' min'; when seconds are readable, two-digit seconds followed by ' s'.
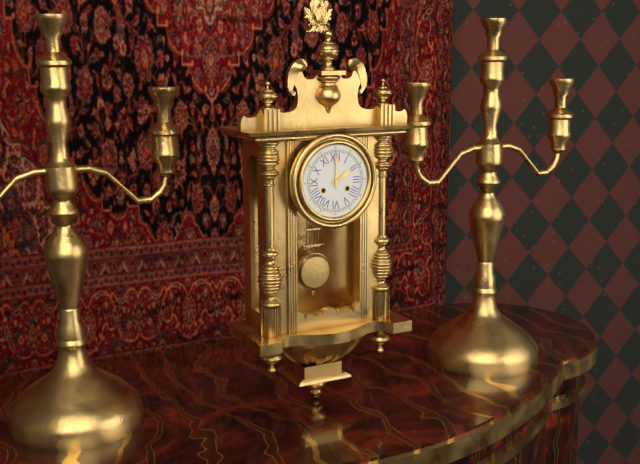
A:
2 h 00 min
